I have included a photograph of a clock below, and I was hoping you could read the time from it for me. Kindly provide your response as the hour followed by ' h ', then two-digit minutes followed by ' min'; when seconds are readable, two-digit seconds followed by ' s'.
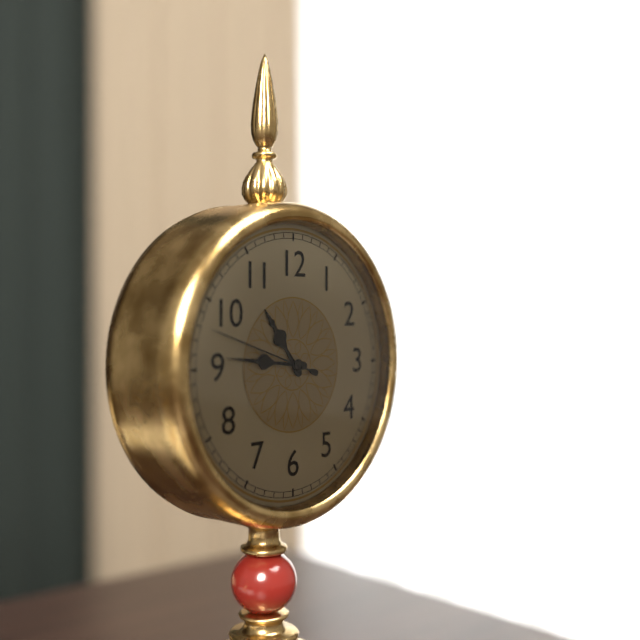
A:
10 h 46 min 48 s
